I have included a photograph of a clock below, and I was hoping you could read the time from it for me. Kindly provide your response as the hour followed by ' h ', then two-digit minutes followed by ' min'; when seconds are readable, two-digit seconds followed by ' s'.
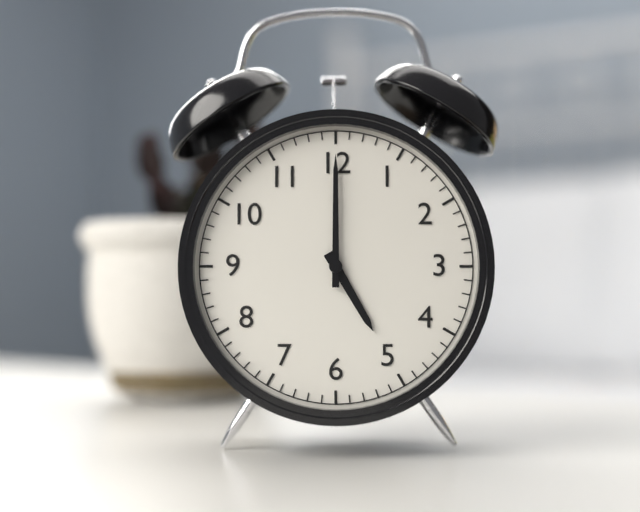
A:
5 h 00 min
